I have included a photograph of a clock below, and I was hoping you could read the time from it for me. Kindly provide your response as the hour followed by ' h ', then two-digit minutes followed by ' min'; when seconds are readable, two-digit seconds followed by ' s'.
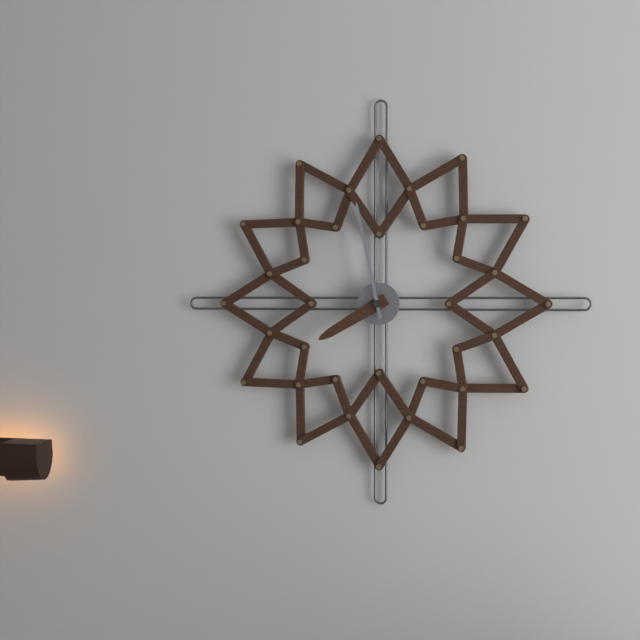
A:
7 h 58 min
